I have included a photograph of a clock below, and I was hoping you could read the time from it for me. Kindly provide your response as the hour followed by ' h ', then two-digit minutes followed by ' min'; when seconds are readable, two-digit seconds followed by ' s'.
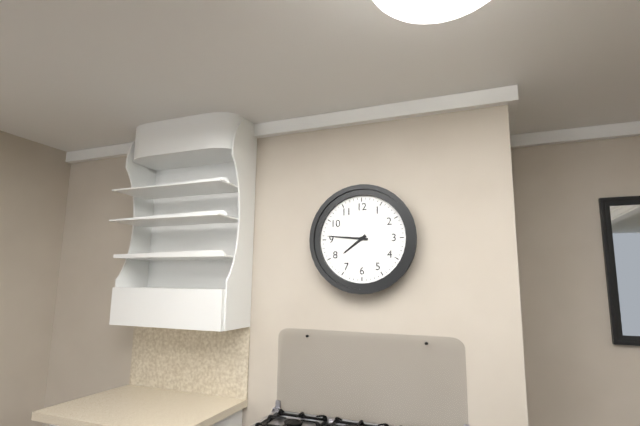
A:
7 h 46 min
